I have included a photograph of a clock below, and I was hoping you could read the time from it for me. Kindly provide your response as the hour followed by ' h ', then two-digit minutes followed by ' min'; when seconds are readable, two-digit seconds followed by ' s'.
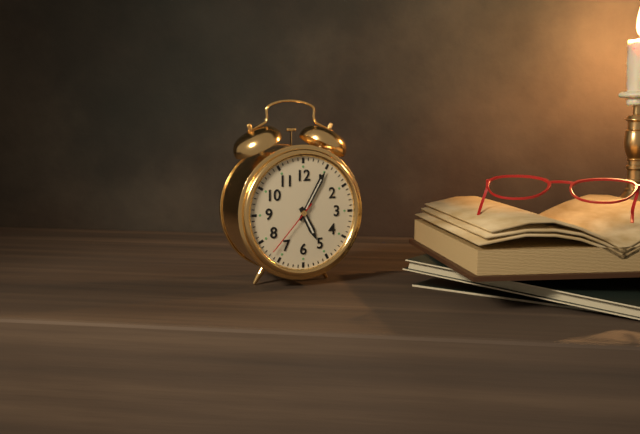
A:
5 h 05 min 37 s
